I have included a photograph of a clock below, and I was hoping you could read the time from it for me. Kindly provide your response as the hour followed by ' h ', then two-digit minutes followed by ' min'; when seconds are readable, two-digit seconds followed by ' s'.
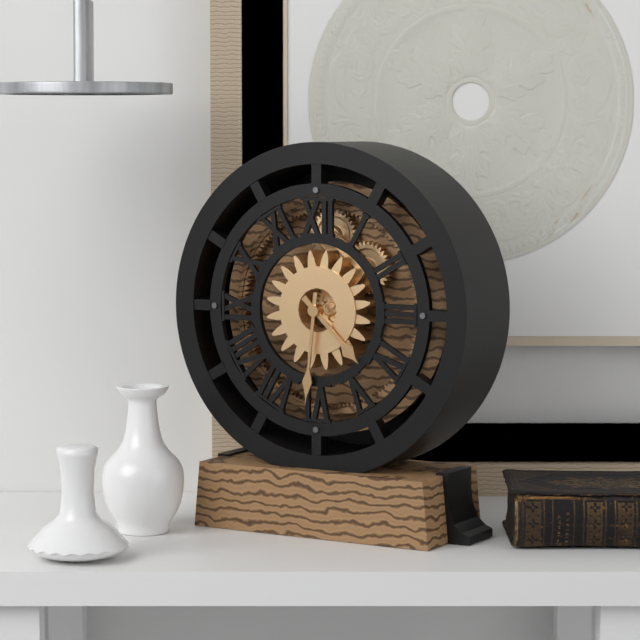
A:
4 h 31 min
